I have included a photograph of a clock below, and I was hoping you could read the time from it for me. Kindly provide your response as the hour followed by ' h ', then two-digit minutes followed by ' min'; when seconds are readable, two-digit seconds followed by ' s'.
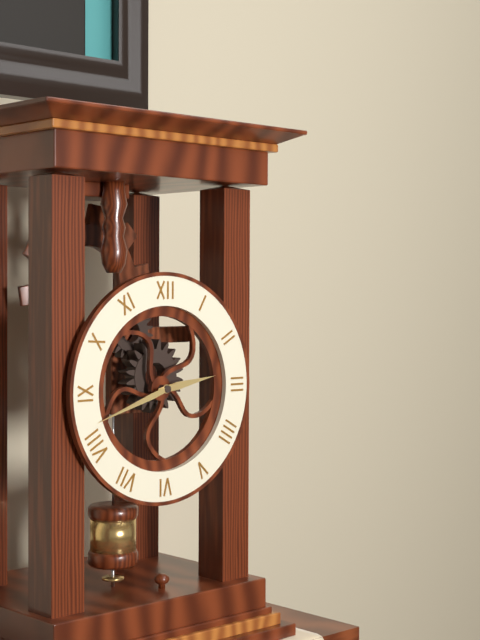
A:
2 h 42 min
